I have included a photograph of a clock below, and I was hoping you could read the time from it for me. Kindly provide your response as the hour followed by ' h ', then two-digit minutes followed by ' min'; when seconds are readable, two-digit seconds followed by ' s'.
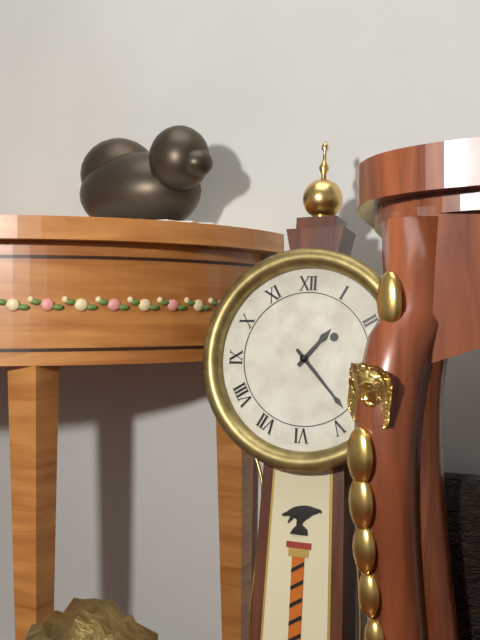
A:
1 h 23 min
